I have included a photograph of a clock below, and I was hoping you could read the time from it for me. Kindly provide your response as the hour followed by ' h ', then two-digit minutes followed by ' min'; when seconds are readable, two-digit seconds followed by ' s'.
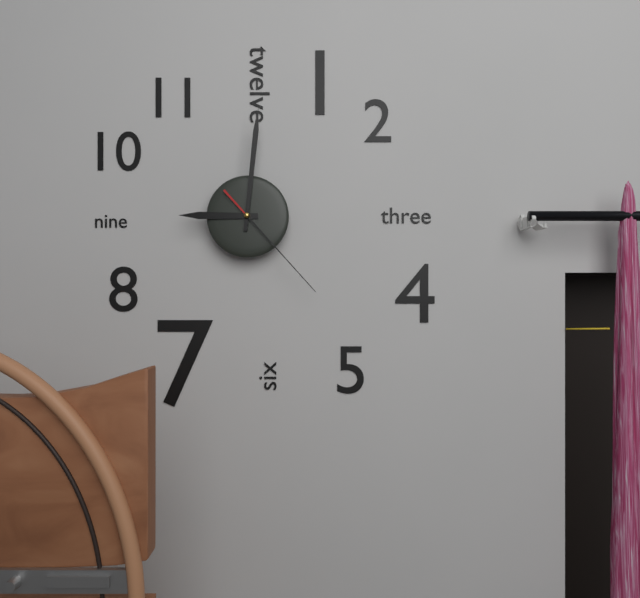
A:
9 h 01 min 23 s
